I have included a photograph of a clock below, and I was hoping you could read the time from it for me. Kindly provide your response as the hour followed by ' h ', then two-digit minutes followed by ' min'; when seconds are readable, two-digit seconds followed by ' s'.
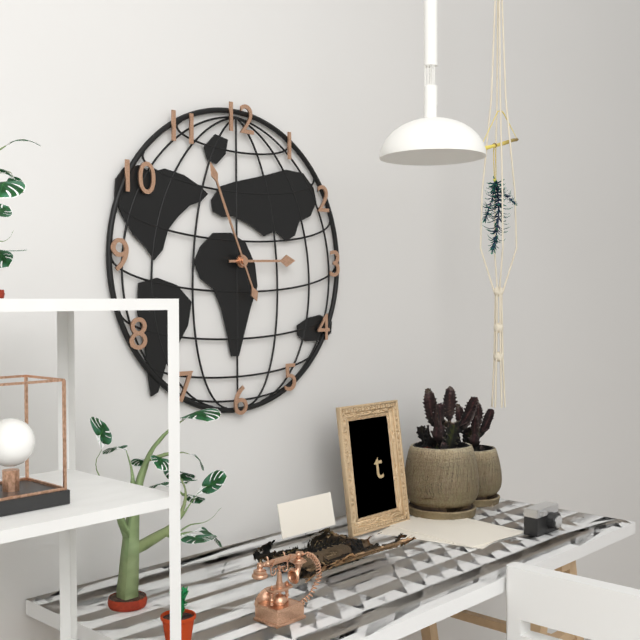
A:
2 h 56 min
